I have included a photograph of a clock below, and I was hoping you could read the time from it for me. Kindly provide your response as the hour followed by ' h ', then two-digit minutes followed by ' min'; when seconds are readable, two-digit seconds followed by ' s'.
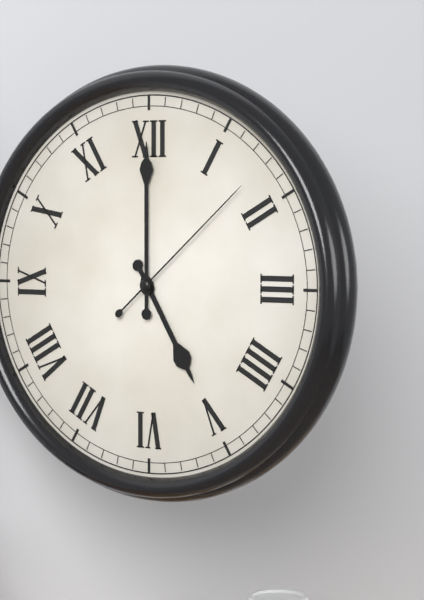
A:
5 h 00 min 08 s
